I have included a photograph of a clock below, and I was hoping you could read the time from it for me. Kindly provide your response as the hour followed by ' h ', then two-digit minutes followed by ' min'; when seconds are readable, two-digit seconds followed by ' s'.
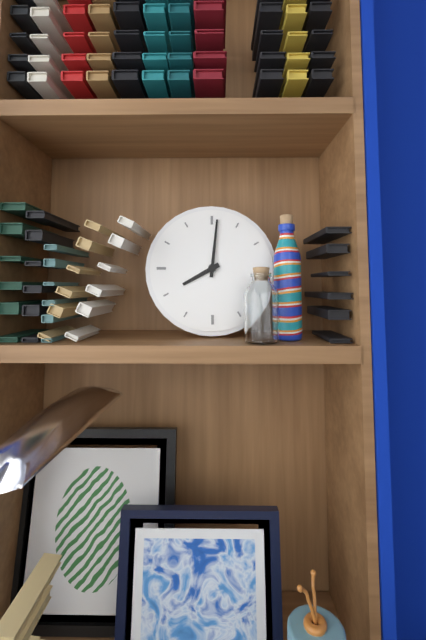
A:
8 h 01 min
